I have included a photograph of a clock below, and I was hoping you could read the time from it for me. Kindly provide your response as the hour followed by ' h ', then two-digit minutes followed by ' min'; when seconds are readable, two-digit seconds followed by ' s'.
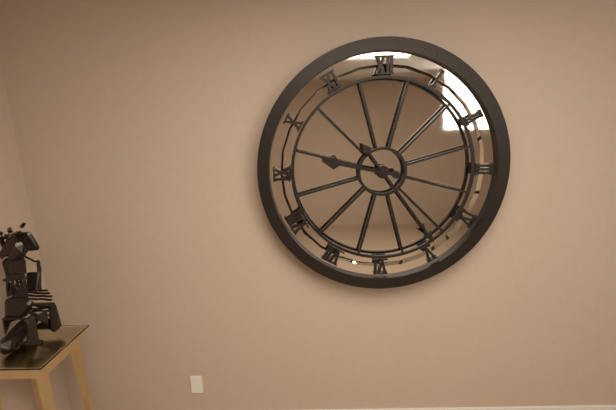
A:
9 h 24 min
